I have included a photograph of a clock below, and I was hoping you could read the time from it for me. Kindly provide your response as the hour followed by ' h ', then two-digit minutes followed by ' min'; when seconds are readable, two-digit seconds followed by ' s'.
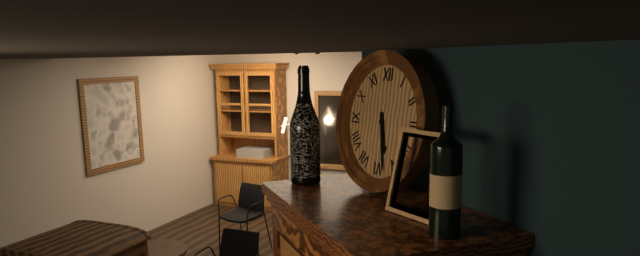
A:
5 h 28 min
